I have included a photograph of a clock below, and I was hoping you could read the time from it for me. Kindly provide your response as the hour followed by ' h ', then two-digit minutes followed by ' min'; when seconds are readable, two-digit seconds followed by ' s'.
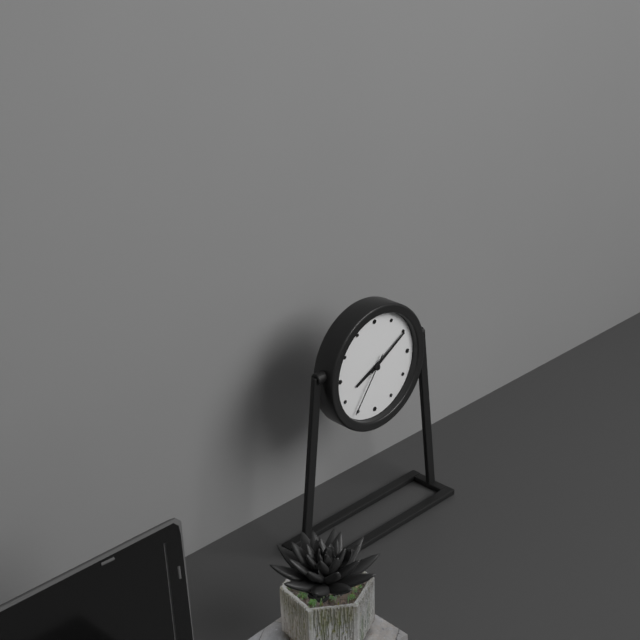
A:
8 h 10 min 36 s
